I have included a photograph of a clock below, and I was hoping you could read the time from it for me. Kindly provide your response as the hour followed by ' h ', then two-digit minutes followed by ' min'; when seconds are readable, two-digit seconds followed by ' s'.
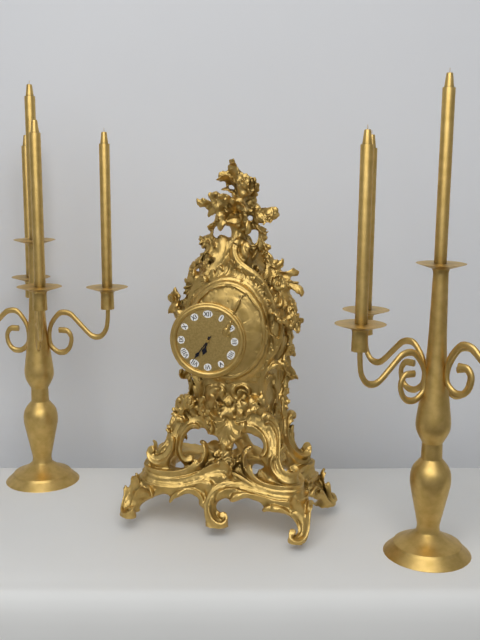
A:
6 h 36 min
